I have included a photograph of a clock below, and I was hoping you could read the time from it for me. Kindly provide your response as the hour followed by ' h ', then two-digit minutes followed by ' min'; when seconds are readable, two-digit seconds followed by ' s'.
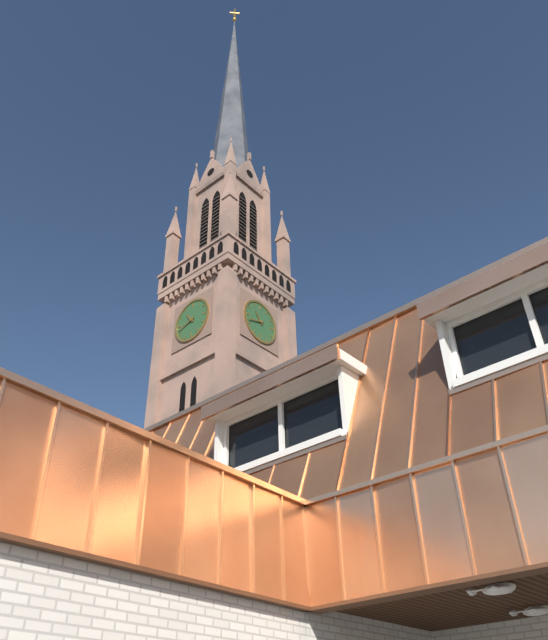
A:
10 h 42 min
